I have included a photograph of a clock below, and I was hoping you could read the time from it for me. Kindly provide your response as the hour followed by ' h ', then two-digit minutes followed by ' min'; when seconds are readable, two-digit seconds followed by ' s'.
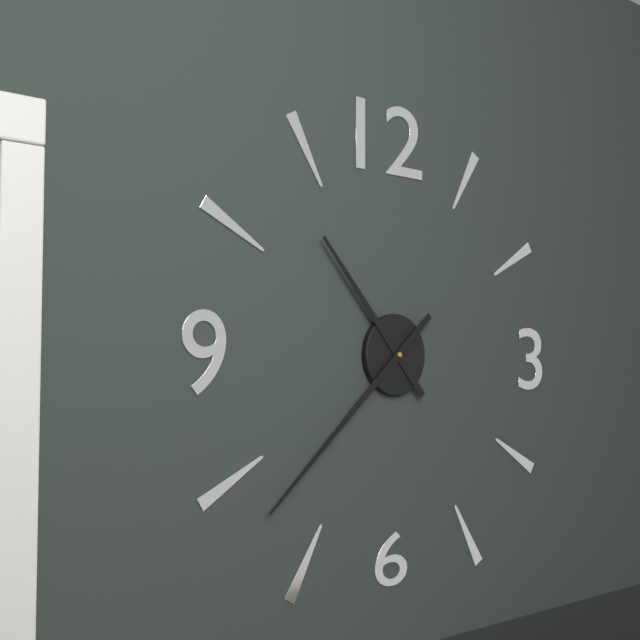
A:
10 h 38 min
